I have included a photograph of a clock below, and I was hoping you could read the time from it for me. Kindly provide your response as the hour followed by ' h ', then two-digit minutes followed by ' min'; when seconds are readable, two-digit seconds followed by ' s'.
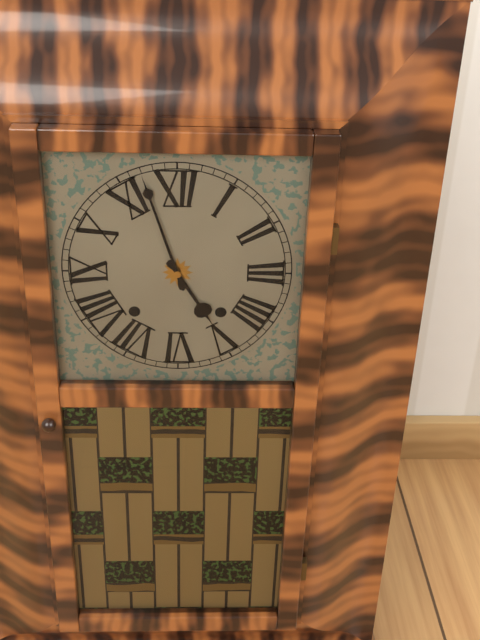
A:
4 h 57 min
